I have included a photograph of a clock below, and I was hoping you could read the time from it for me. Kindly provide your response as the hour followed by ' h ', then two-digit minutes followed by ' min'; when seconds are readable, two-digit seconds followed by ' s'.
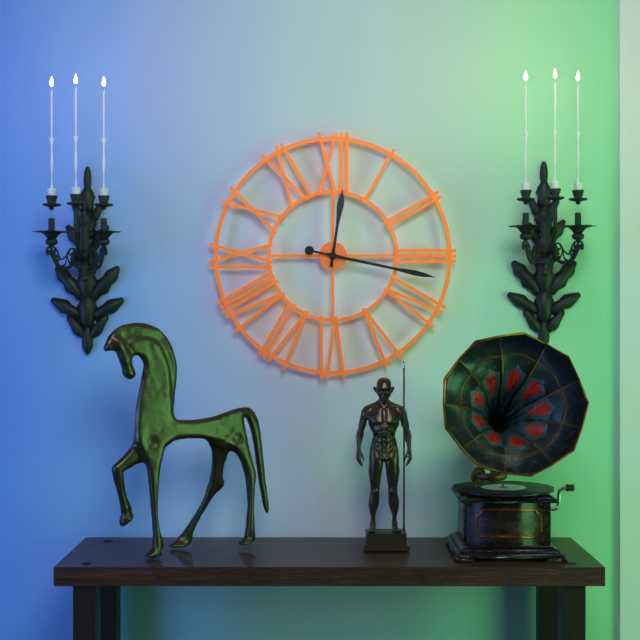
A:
12 h 17 min
